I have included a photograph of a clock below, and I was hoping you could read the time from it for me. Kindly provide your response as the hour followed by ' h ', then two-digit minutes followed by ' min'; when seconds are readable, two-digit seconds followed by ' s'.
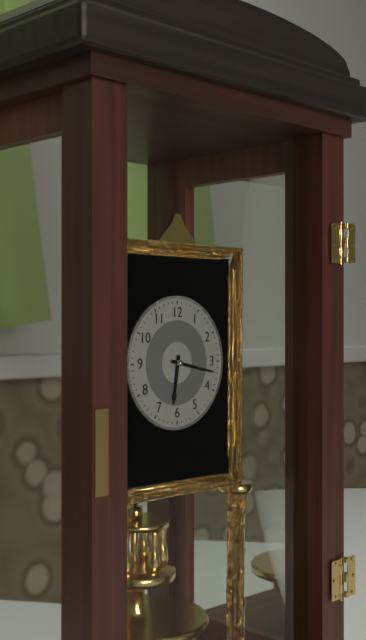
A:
6 h 17 min
